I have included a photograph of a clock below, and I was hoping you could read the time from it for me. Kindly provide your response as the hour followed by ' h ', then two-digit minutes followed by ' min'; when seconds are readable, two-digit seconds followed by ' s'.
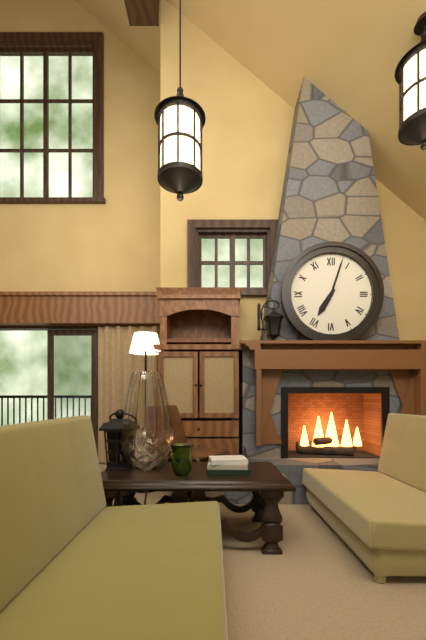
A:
7 h 03 min
